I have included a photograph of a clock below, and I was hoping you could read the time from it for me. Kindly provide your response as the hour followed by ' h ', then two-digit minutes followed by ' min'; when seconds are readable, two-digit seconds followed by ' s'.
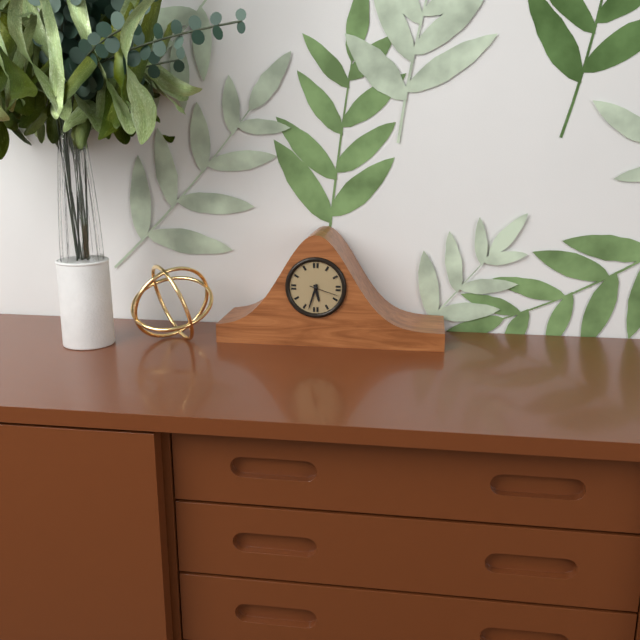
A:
5 h 33 min
